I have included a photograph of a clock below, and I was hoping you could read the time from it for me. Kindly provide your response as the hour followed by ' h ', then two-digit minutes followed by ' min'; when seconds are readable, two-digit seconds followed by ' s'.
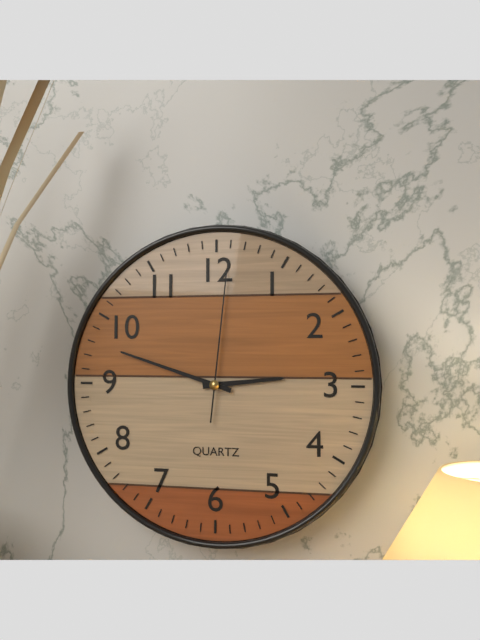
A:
2 h 48 min 01 s
